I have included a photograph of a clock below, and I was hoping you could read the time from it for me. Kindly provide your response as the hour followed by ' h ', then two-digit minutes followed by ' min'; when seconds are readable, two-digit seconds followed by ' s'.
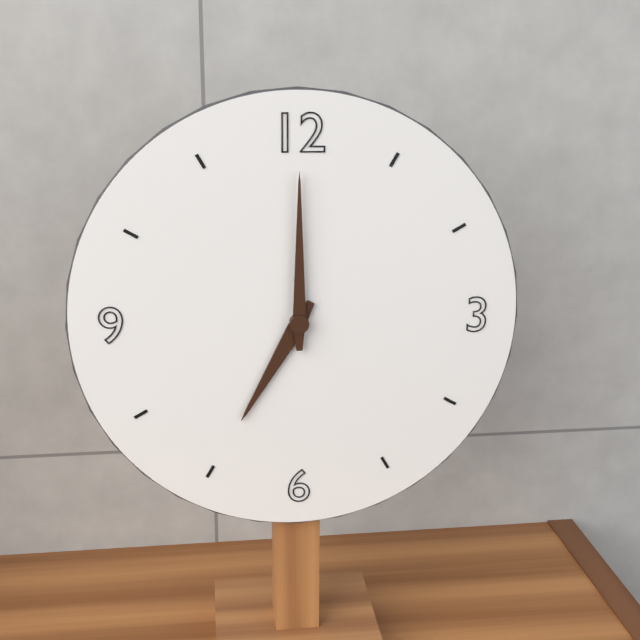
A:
7 h 00 min
